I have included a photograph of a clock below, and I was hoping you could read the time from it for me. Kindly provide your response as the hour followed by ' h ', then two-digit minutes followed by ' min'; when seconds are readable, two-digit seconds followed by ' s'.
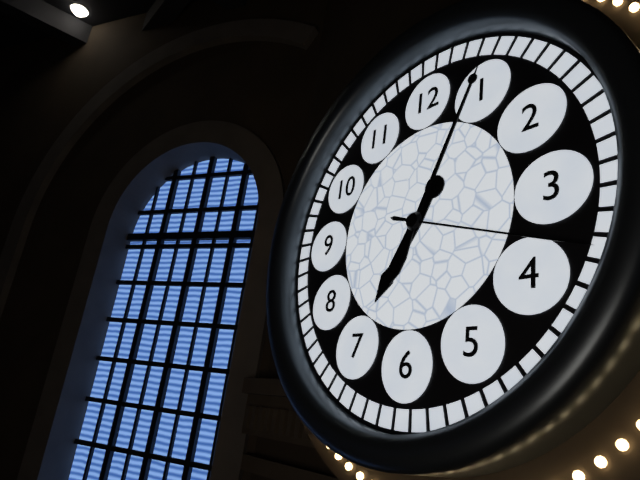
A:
7 h 04 min 18 s
